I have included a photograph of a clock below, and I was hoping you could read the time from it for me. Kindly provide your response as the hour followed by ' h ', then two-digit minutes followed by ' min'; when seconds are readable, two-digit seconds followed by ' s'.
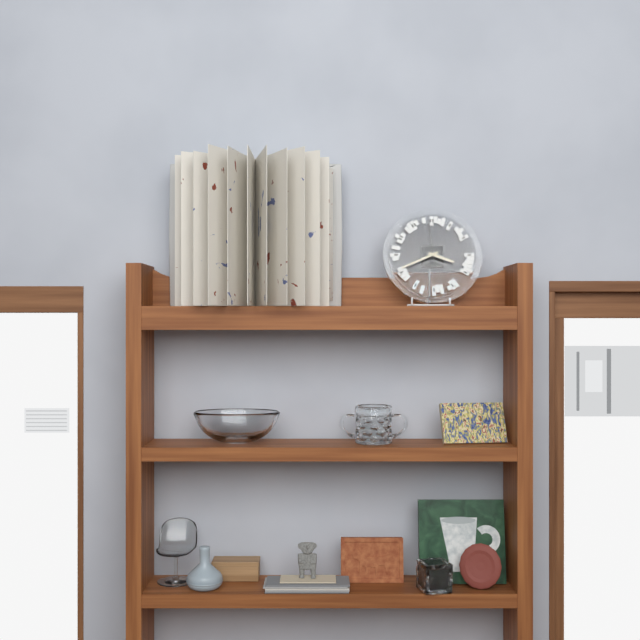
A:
3 h 41 min
